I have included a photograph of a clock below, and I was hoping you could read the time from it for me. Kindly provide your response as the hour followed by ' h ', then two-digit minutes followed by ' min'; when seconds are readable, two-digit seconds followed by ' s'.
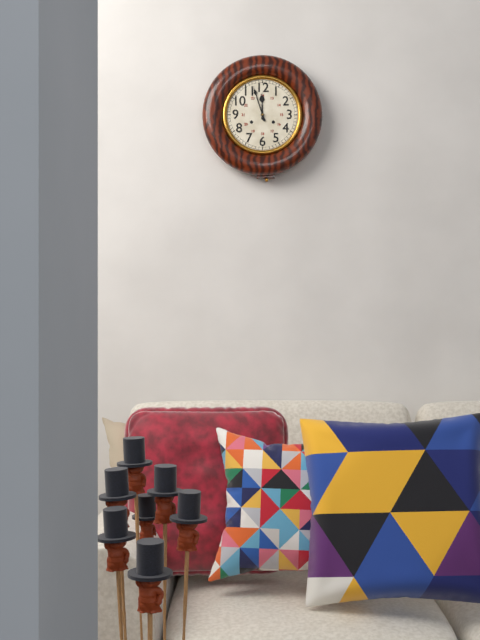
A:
11 h 57 min
